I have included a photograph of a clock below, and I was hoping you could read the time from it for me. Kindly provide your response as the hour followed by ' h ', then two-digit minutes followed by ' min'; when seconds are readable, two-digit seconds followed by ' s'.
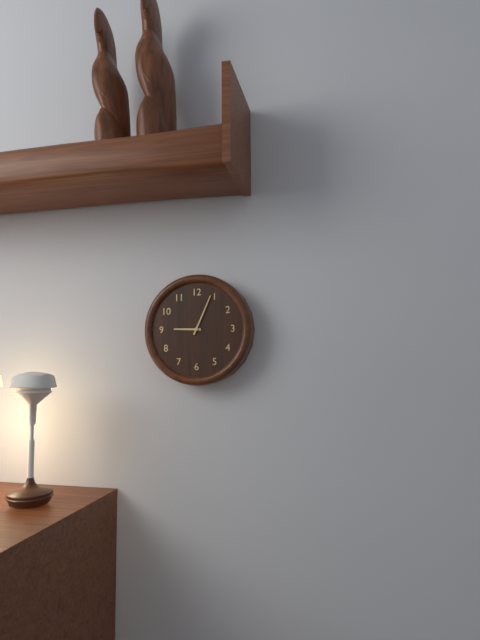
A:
9 h 04 min
